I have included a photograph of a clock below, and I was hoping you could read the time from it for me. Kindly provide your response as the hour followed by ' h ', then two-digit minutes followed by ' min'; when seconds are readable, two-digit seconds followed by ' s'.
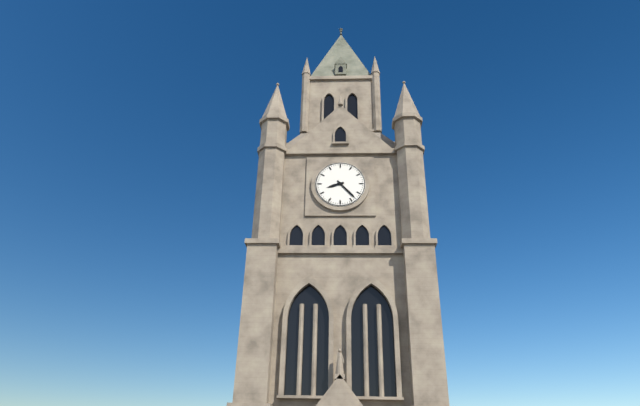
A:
8 h 23 min
